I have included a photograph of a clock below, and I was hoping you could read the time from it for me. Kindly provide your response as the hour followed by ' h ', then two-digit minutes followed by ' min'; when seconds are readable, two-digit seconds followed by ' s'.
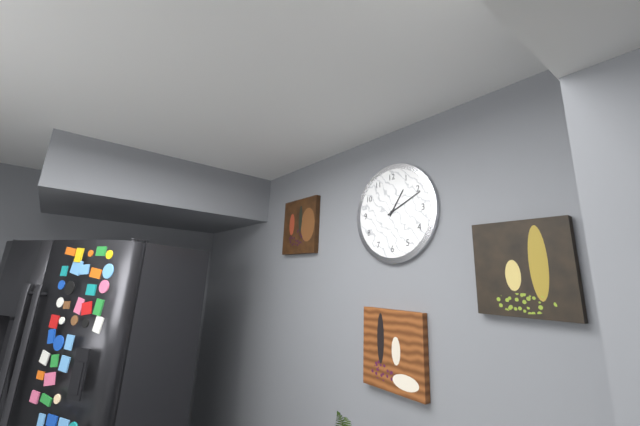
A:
1 h 11 min
